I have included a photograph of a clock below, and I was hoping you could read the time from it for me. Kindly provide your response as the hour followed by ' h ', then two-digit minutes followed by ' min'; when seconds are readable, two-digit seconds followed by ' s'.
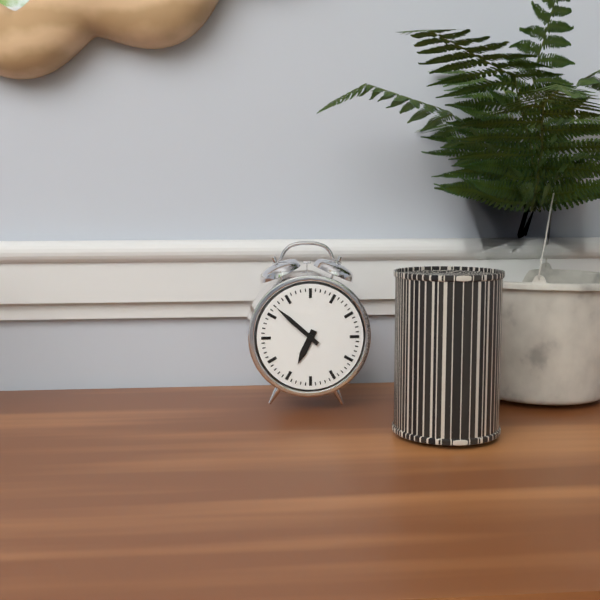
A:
6 h 52 min
